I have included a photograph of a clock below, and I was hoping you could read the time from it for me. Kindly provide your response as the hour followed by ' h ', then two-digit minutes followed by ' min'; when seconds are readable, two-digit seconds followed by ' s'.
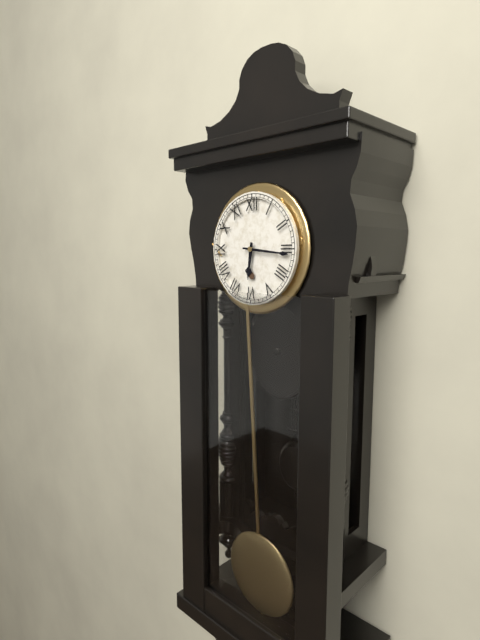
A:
6 h 16 min
